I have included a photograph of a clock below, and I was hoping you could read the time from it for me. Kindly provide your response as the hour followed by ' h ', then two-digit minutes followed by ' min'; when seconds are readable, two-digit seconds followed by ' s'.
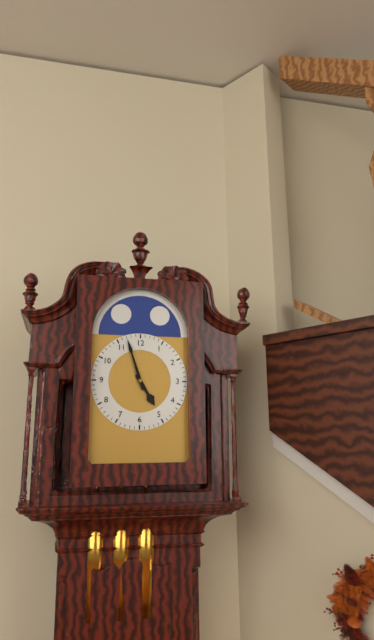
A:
4 h 57 min
